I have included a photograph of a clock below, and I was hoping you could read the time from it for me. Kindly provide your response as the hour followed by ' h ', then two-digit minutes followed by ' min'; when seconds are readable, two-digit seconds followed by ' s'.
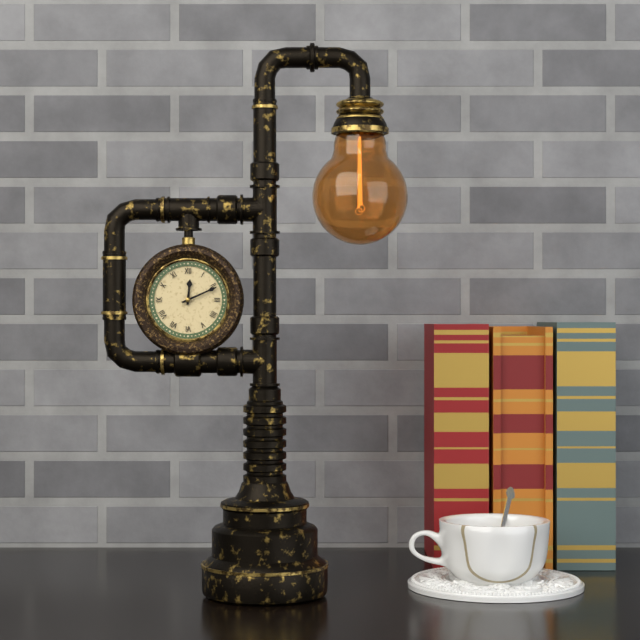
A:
12 h 11 min
